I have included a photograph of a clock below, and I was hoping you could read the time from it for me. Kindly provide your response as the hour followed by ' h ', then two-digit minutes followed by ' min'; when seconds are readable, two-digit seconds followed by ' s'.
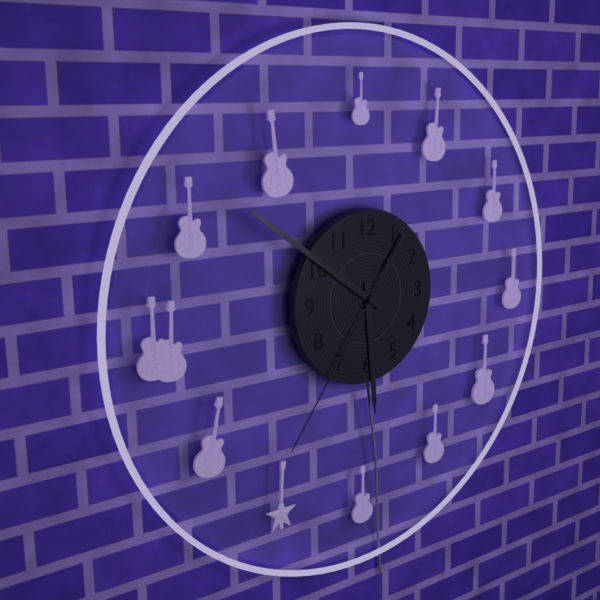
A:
5 h 51 min 36 s
